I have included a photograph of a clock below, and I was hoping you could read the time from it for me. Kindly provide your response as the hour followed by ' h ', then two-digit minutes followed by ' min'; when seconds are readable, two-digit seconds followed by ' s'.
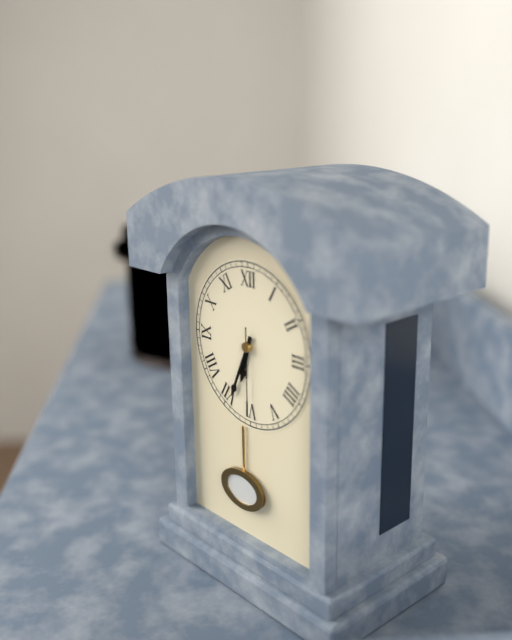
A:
6 h 34 min 30 s
